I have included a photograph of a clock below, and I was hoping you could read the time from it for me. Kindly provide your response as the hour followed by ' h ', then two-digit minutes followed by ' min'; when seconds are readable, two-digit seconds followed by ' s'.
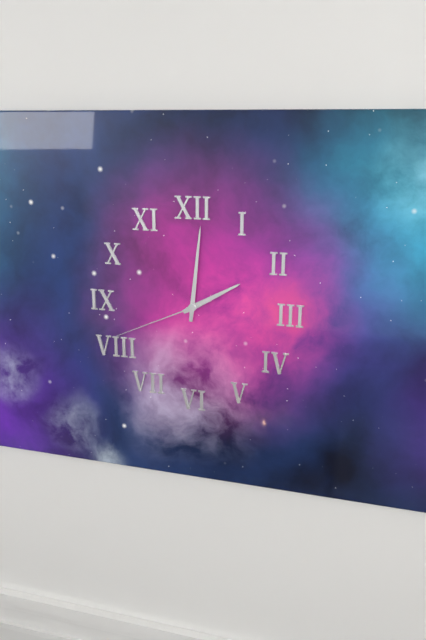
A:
2 h 01 min 41 s
